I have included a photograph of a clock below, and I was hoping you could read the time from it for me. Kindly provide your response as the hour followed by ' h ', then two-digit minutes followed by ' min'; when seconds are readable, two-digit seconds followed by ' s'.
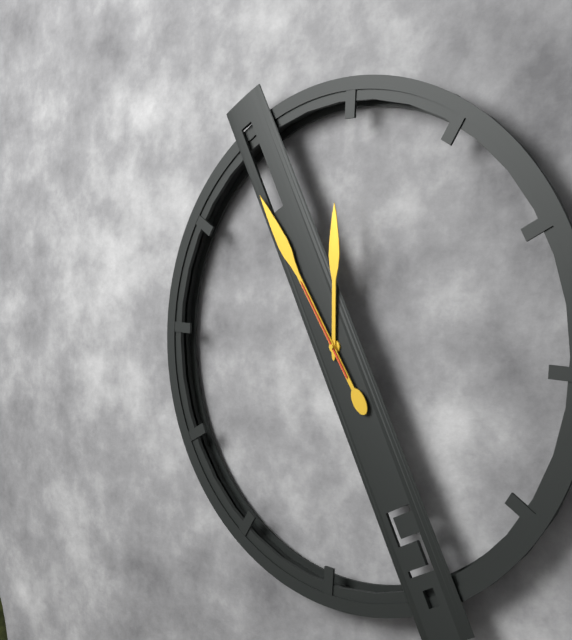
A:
11 h 54 min 54 s
